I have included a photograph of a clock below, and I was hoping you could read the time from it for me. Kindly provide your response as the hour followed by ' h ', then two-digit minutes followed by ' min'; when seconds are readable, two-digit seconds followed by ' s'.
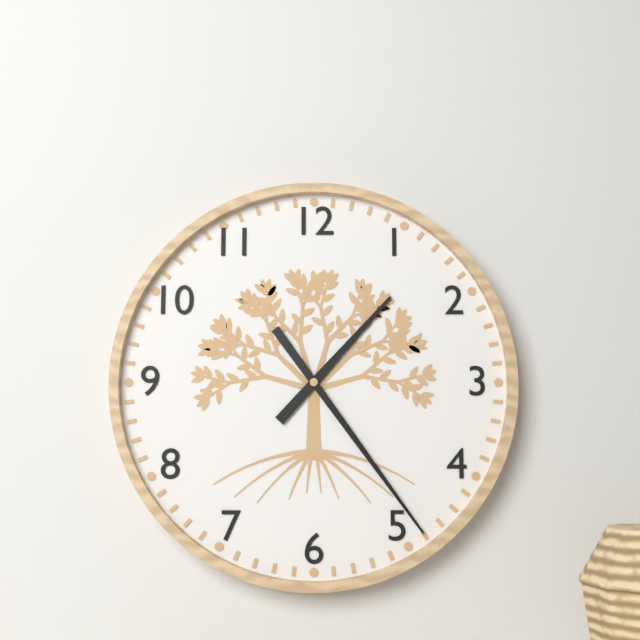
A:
1 h 24 min
